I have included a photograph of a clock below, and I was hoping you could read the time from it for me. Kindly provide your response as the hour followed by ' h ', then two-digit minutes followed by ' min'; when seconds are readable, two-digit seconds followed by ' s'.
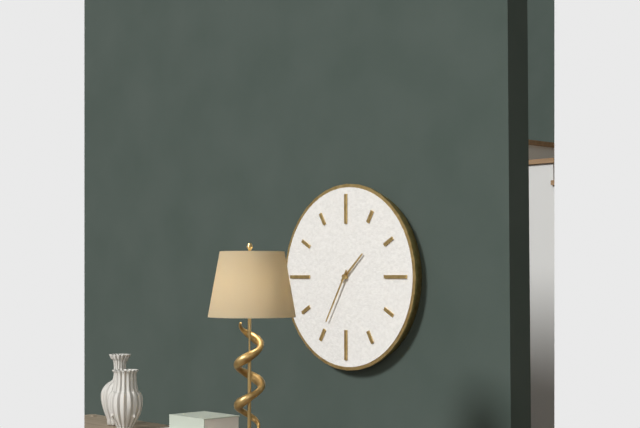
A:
1 h 35 min
